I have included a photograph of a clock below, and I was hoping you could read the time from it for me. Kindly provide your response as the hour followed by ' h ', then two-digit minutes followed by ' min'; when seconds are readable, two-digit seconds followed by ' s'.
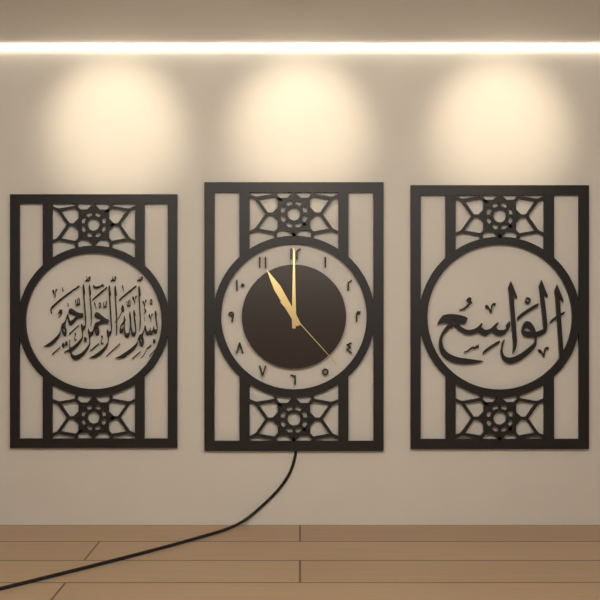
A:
11 h 00 min 23 s
